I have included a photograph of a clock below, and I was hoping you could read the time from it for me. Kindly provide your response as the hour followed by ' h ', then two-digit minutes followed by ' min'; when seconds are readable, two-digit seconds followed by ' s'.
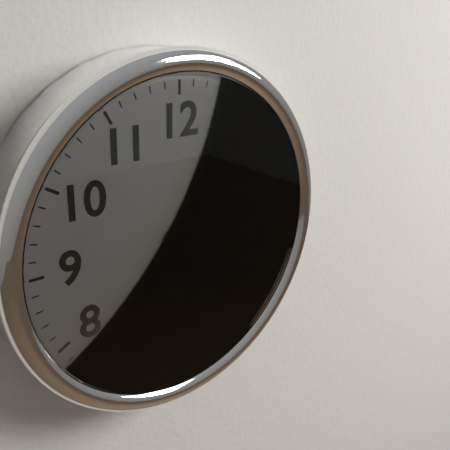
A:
1 h 19 min
